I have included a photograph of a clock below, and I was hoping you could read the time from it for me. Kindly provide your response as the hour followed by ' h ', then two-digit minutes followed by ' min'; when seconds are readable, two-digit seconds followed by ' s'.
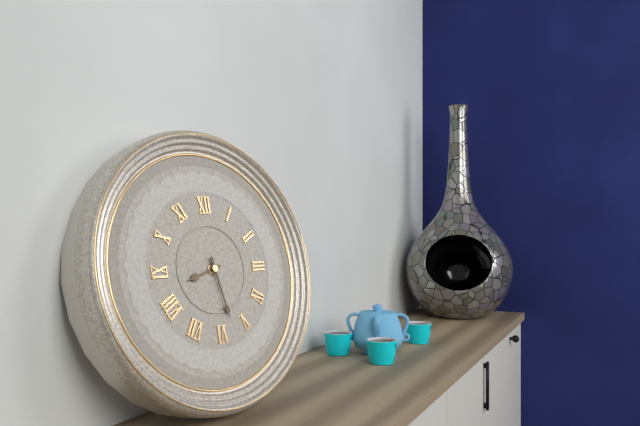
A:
8 h 28 min
